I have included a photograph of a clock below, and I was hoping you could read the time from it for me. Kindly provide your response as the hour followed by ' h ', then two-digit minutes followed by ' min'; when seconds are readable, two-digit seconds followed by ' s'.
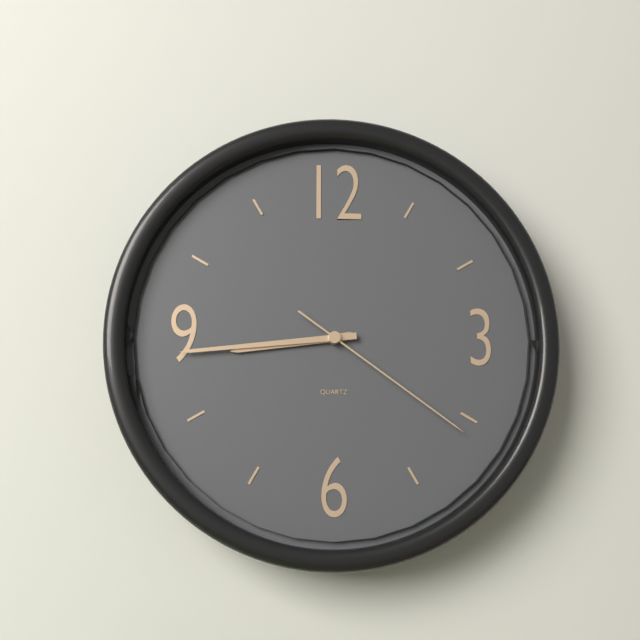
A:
8 h 44 min 21 s
